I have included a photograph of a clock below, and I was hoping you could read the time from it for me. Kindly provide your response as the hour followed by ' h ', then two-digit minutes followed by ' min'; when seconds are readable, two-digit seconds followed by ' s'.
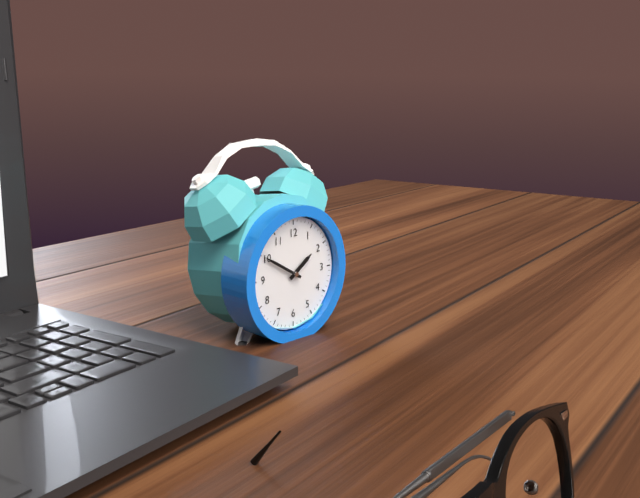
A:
1 h 50 min
